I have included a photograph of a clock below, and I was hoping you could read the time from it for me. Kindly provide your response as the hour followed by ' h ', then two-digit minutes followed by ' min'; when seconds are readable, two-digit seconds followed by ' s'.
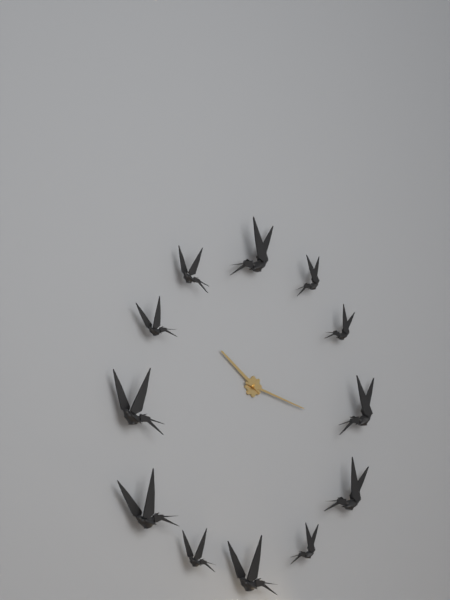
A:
10 h 18 min
